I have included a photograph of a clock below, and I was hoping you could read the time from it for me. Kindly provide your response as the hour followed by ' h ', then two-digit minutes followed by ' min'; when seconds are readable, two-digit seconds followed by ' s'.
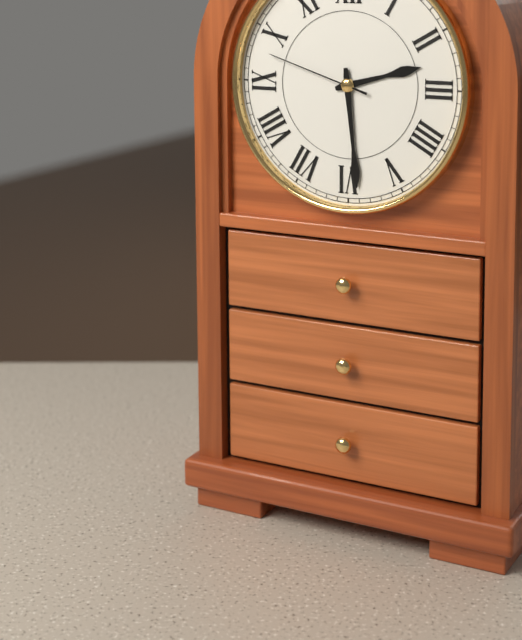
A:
2 h 29 min 48 s
